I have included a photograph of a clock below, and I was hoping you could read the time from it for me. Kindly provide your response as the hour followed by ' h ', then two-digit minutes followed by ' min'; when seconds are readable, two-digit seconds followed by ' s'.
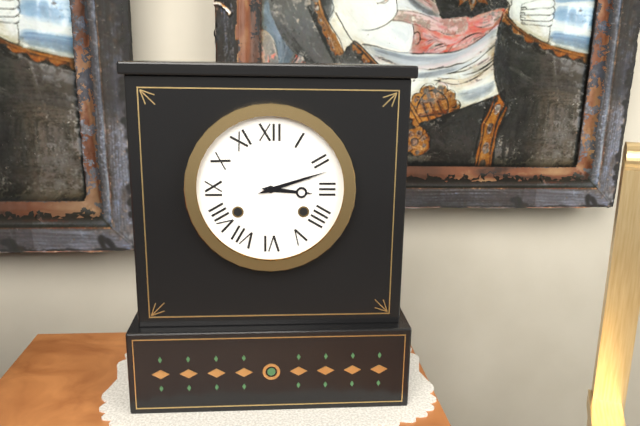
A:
3 h 12 min
